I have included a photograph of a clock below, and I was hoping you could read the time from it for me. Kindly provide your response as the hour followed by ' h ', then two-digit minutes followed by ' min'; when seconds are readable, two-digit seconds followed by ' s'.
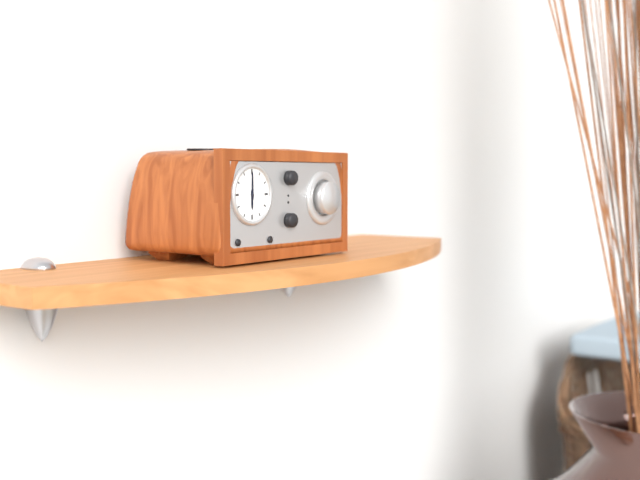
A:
6 h 00 min
